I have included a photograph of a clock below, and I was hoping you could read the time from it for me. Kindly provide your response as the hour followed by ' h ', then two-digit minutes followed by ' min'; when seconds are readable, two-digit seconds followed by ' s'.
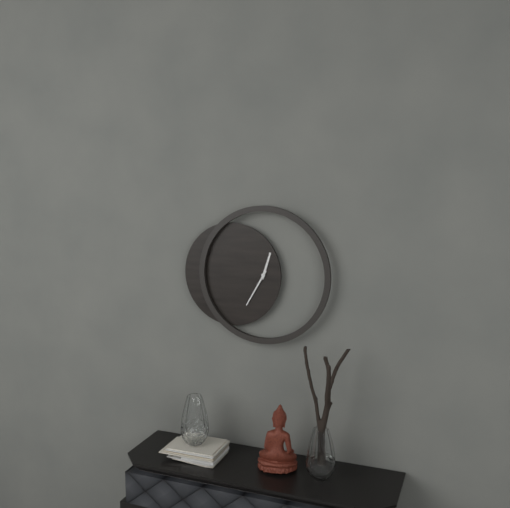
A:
12 h 35 min
